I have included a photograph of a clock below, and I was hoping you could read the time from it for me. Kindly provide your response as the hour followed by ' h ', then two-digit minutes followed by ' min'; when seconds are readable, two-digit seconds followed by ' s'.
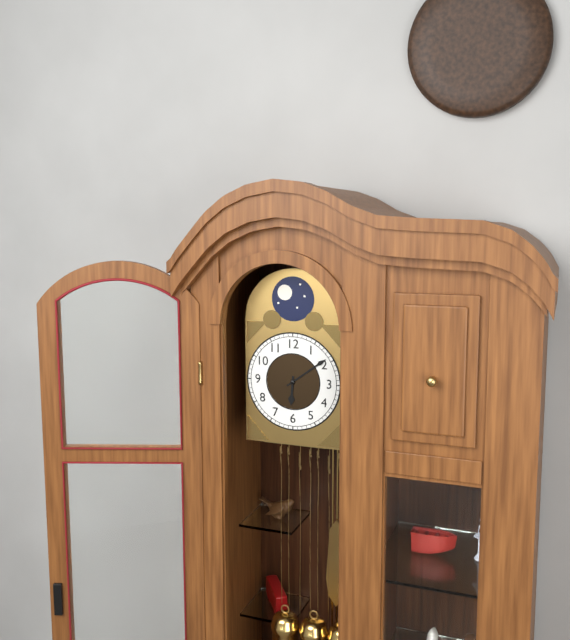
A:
6 h 09 min
